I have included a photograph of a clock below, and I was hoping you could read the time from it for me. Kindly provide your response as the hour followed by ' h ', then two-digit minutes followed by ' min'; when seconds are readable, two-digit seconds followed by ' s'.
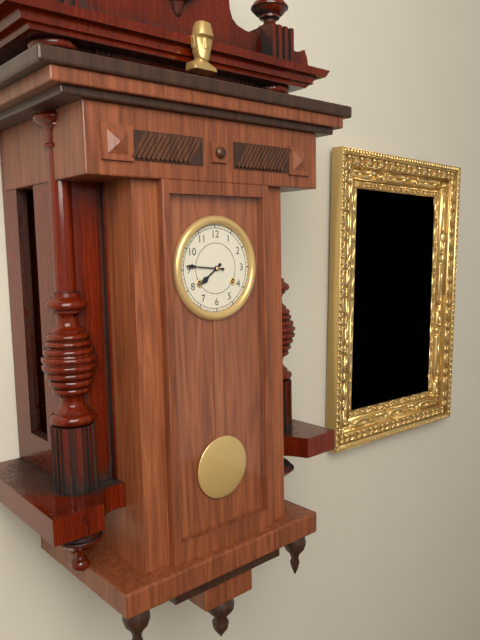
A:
7 h 46 min
